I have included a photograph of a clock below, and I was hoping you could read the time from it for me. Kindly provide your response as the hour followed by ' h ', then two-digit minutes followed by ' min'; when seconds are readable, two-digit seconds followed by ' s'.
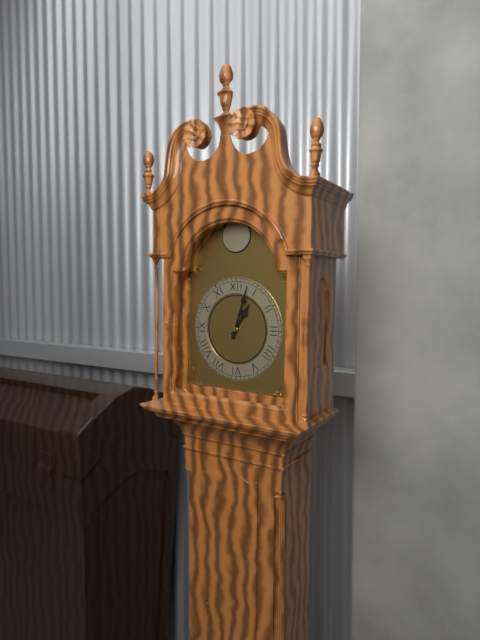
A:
1 h 03 min
